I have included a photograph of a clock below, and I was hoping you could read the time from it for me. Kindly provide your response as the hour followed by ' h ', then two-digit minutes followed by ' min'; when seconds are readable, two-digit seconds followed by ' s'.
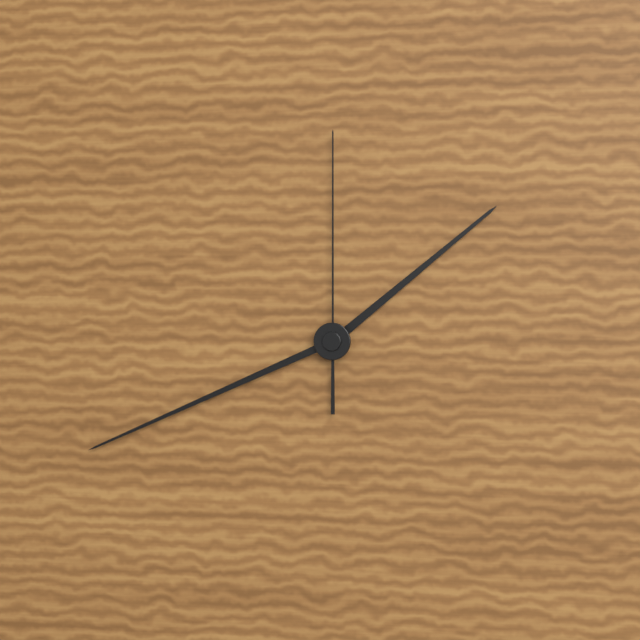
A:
1 h 41 min 00 s
